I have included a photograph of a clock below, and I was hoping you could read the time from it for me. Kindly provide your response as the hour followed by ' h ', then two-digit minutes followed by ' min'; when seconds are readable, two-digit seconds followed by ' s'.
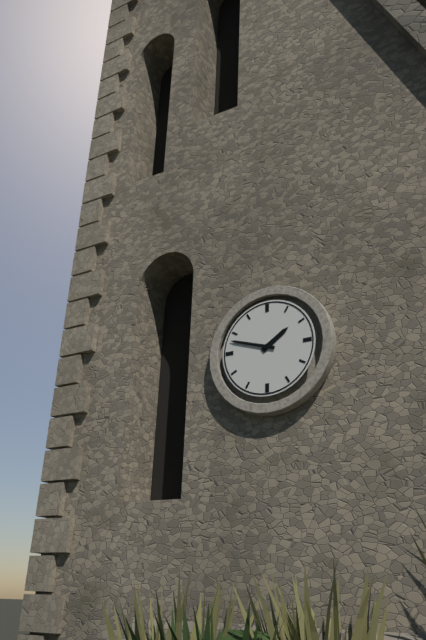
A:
1 h 48 min
